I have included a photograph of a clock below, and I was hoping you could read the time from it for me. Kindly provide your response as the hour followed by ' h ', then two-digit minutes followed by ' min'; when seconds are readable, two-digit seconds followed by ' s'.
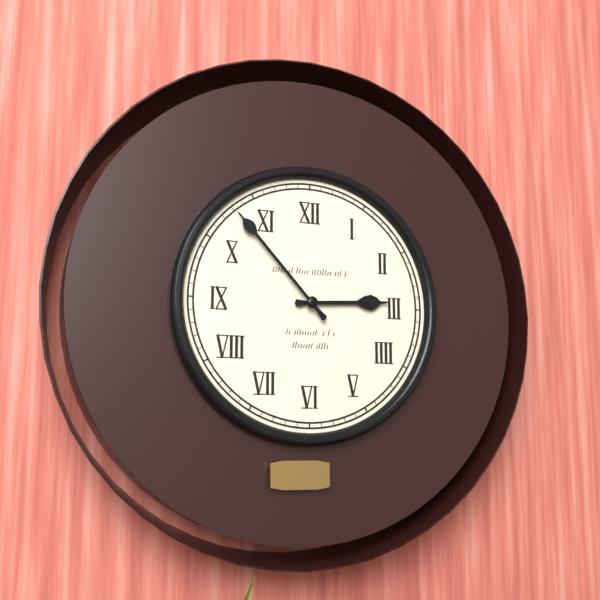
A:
2 h 53 min
